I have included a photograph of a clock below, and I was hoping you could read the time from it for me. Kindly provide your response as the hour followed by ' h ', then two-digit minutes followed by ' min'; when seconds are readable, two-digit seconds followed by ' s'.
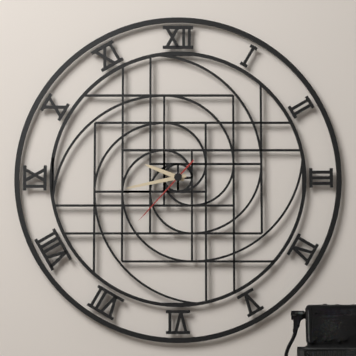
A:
9 h 43 min 37 s
